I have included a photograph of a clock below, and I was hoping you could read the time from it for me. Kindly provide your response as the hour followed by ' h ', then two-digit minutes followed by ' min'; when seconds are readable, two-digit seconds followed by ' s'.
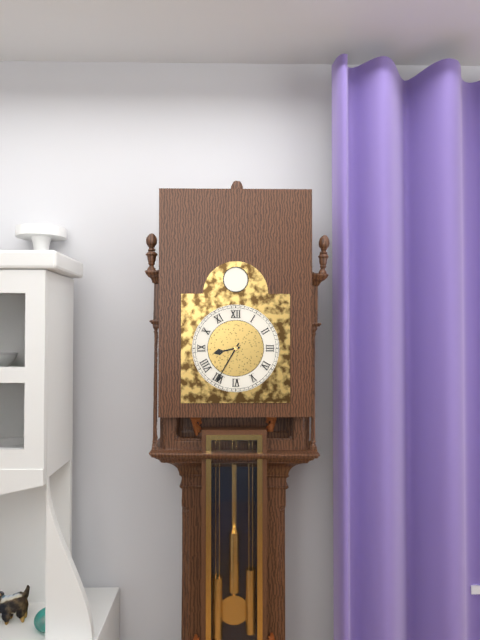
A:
8 h 35 min
